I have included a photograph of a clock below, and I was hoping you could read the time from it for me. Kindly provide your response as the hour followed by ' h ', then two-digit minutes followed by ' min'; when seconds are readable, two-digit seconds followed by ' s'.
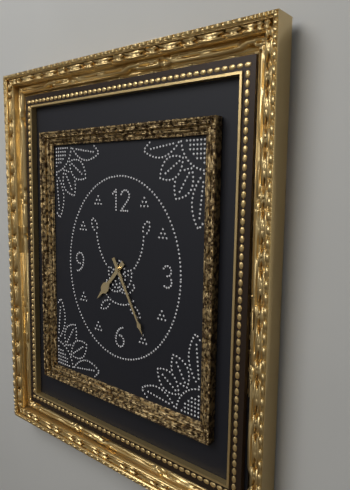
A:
7 h 25 min
